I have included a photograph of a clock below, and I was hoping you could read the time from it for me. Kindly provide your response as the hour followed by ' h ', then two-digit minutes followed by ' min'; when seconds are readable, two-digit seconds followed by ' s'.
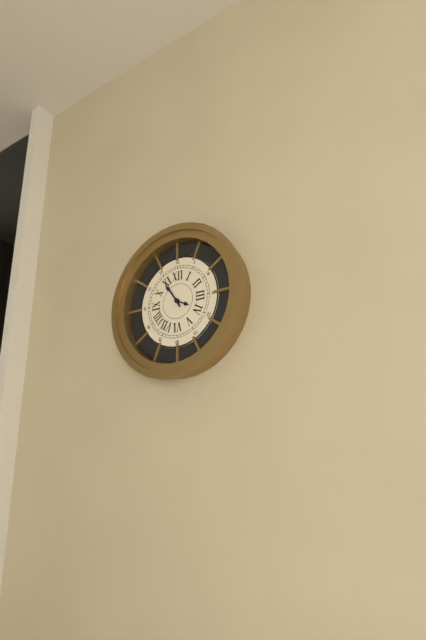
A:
3 h 54 min
